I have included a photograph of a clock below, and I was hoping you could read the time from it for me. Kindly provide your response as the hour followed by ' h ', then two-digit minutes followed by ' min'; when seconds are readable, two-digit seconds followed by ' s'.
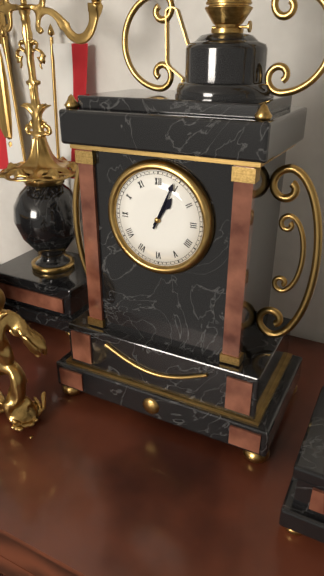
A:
1 h 04 min
